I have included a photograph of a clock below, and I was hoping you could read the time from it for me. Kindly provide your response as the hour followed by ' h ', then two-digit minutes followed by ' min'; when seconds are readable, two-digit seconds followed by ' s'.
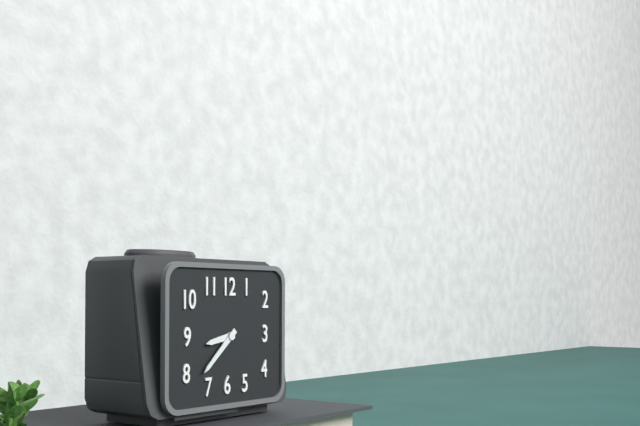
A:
8 h 38 min
